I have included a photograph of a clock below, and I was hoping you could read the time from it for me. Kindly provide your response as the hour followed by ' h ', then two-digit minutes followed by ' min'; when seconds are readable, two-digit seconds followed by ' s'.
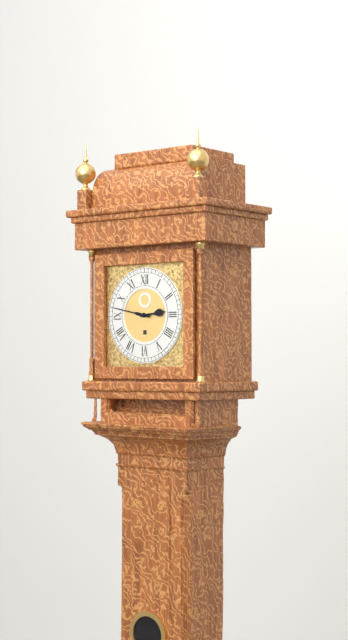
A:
2 h 47 min
